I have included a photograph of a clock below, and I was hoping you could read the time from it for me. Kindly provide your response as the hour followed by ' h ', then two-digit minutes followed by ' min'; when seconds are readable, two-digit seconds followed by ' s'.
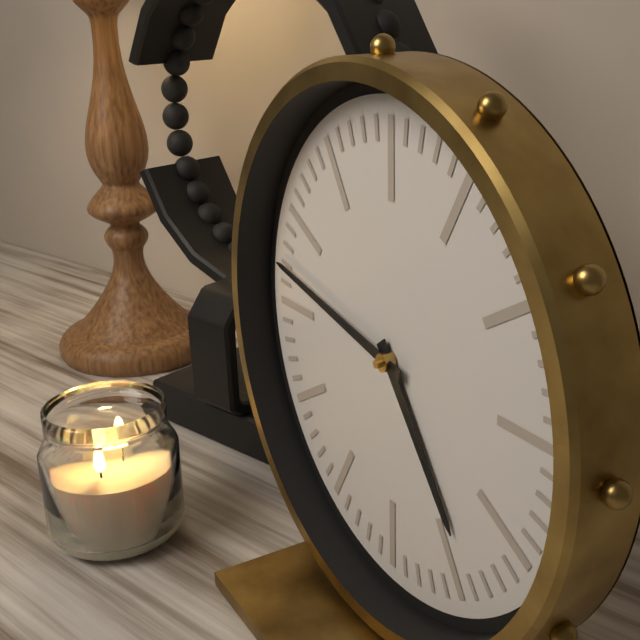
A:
4 h 47 min
